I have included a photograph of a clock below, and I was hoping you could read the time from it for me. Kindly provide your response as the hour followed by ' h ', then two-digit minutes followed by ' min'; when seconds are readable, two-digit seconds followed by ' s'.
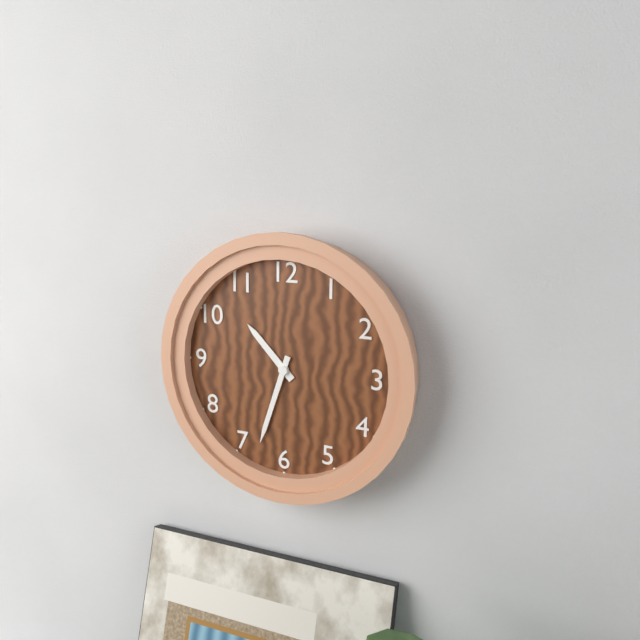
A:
10 h 33 min
